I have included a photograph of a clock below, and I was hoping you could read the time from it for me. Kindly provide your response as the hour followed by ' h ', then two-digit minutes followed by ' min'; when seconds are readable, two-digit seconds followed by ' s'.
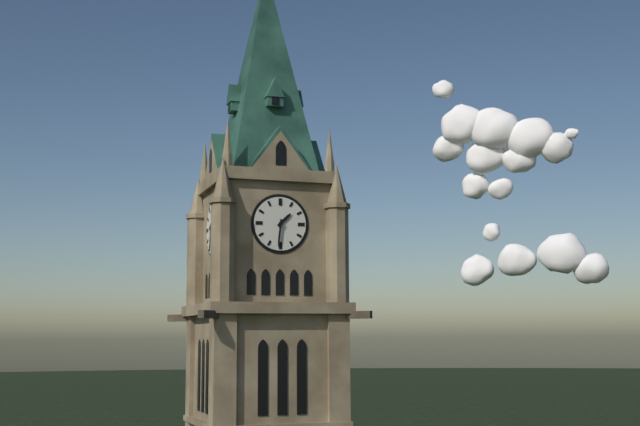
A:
1 h 31 min
